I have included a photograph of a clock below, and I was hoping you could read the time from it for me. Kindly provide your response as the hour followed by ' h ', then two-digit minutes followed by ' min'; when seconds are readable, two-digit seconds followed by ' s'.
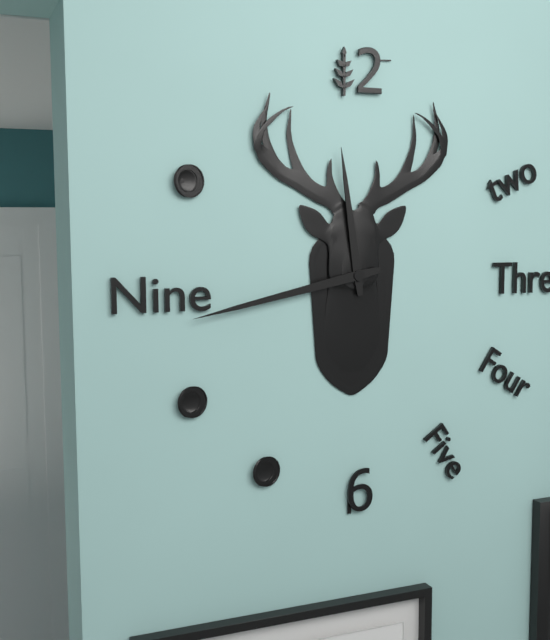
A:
11 h 43 min
